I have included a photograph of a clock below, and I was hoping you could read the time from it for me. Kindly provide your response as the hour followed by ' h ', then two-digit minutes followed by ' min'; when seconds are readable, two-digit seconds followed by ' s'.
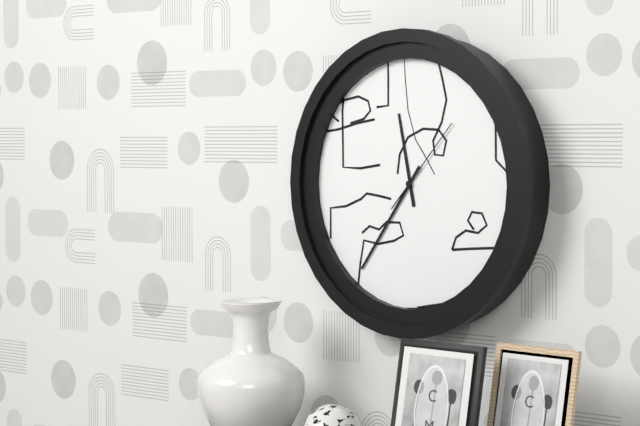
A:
11 h 36 min 07 s
